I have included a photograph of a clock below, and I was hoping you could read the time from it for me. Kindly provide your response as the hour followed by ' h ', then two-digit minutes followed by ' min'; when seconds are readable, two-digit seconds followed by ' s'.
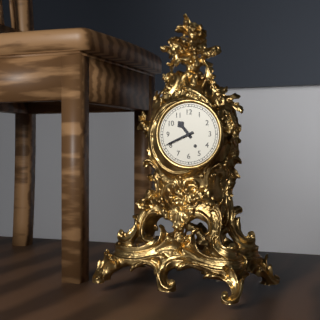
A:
10 h 41 min
